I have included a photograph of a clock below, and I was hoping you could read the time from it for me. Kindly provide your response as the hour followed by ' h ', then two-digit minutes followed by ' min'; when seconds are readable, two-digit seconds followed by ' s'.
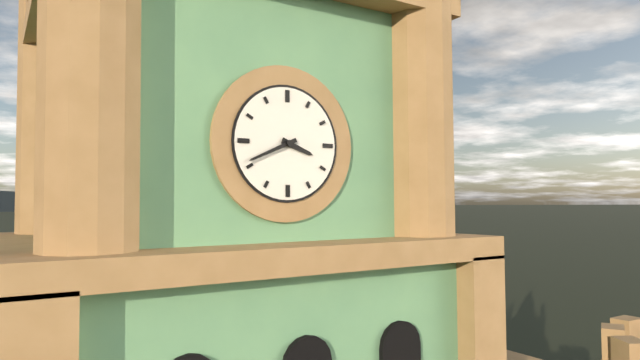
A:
3 h 41 min
